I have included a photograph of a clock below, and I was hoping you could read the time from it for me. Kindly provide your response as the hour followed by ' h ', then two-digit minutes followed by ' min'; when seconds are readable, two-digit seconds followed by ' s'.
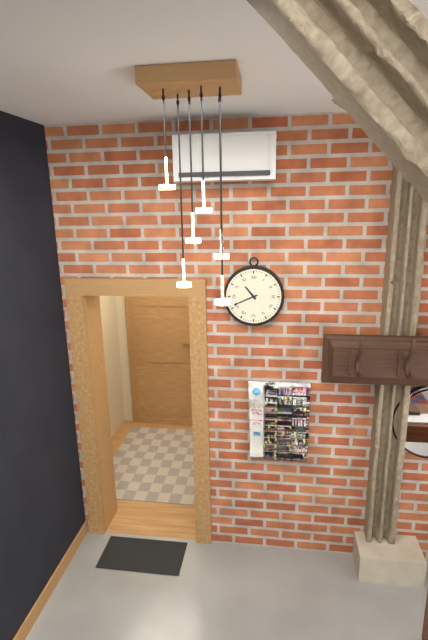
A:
10 h 41 min
